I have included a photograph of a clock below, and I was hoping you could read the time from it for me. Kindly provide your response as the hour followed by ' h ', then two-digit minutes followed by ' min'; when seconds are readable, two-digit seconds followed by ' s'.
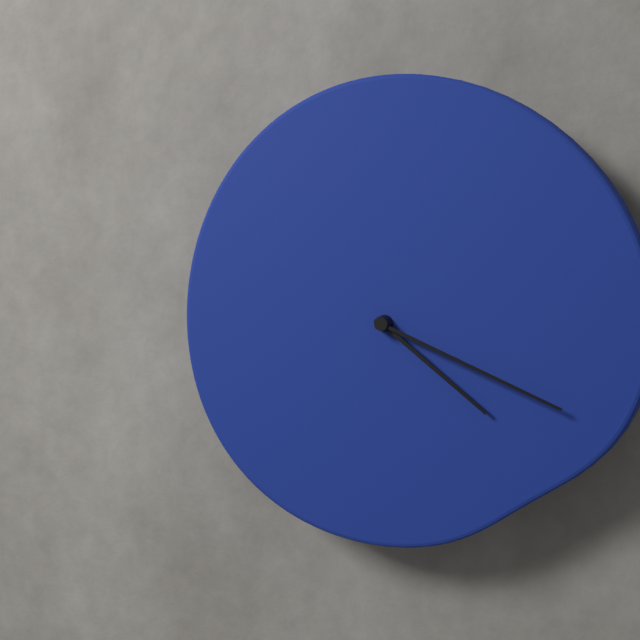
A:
4 h 19 min
